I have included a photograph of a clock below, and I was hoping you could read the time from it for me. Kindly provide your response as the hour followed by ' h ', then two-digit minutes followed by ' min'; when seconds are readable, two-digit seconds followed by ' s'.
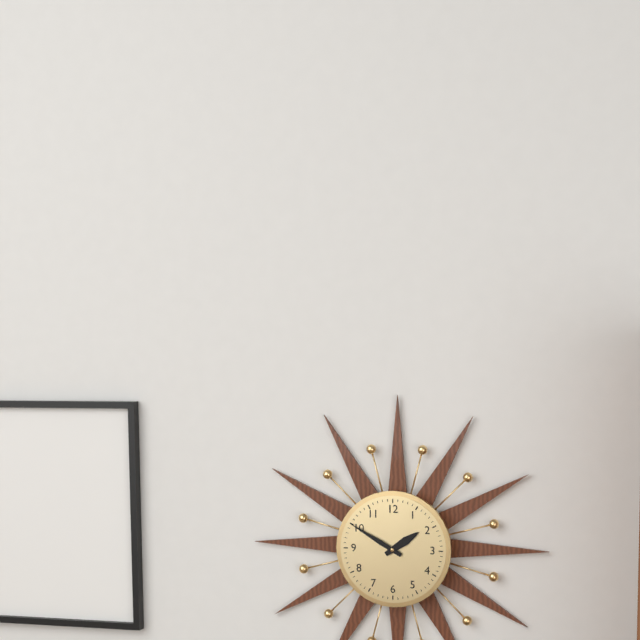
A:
1 h 50 min
